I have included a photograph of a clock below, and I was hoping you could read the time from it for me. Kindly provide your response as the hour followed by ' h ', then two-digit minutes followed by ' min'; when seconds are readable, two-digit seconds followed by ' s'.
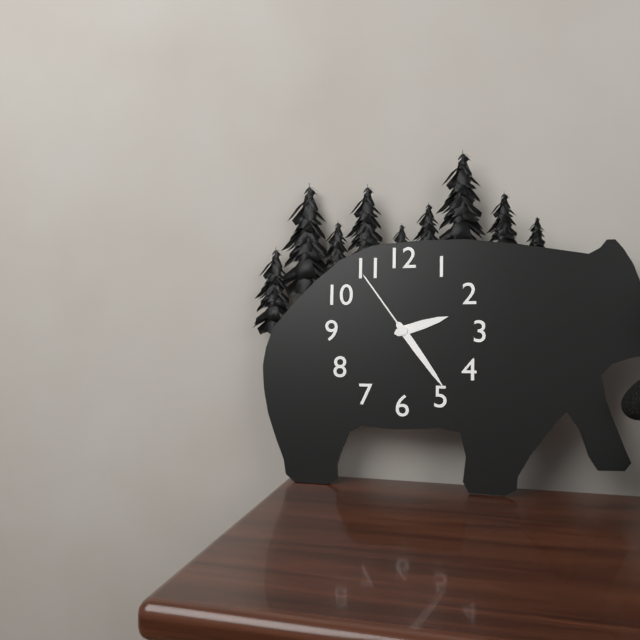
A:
2 h 24 min 54 s
